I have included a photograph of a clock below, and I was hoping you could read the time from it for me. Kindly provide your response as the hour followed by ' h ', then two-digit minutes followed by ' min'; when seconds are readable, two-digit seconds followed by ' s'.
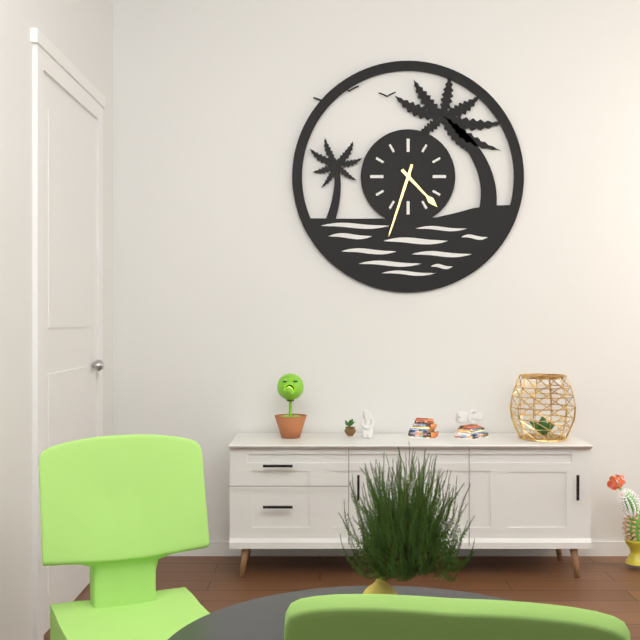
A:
4 h 33 min
